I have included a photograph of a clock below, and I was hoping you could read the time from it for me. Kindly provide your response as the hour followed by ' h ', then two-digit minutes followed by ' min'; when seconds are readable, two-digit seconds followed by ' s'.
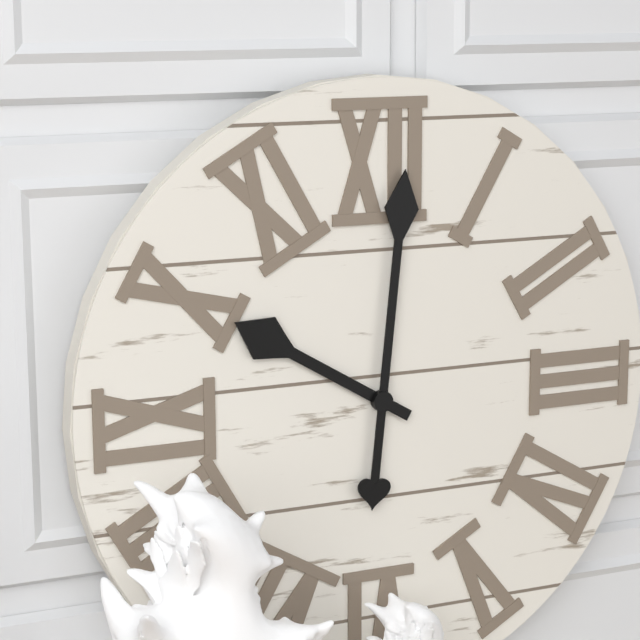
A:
10 h 01 min
